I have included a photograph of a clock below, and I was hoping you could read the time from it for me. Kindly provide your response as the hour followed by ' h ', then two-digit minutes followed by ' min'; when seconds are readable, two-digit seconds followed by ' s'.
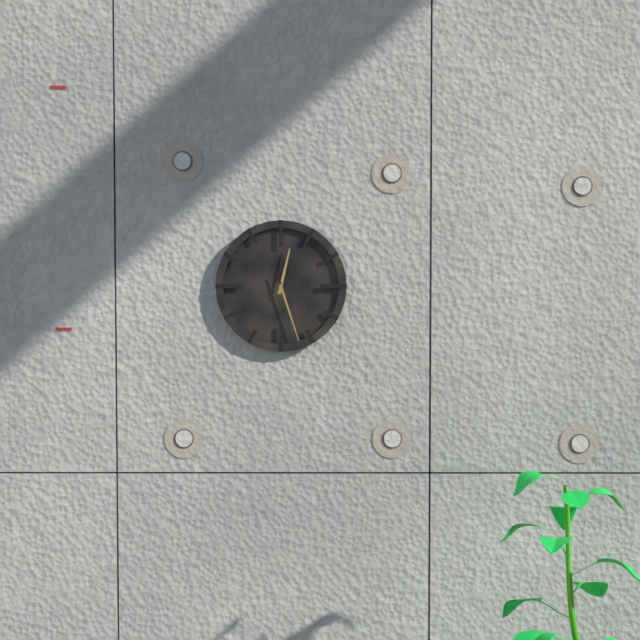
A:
12 h 27 min
